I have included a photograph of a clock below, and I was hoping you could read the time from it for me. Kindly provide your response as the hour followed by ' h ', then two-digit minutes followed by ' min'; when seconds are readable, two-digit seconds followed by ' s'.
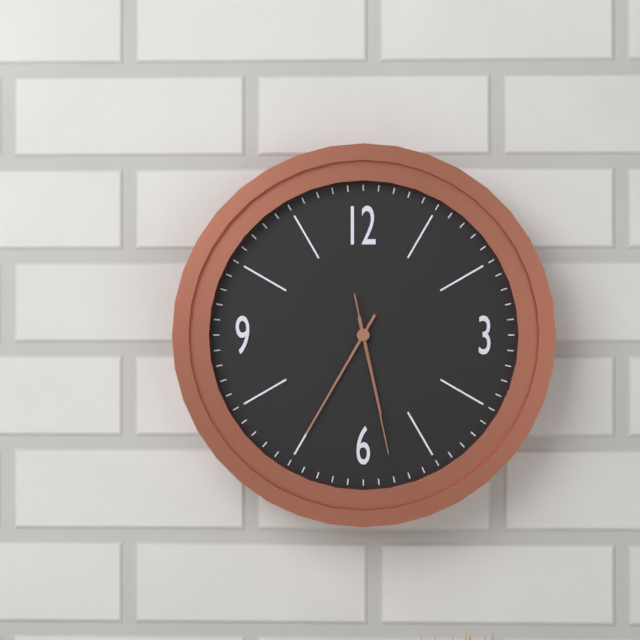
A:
5 h 35 min 28 s
